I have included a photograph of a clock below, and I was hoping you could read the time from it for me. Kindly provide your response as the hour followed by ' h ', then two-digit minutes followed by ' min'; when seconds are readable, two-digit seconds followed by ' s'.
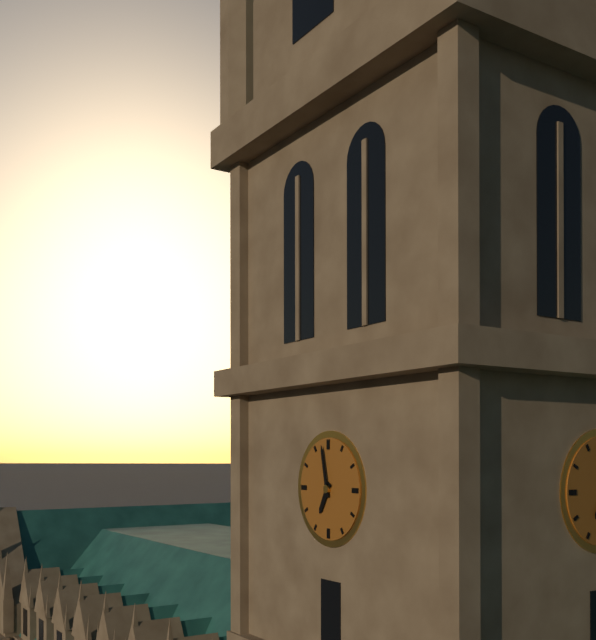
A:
6 h 58 min
